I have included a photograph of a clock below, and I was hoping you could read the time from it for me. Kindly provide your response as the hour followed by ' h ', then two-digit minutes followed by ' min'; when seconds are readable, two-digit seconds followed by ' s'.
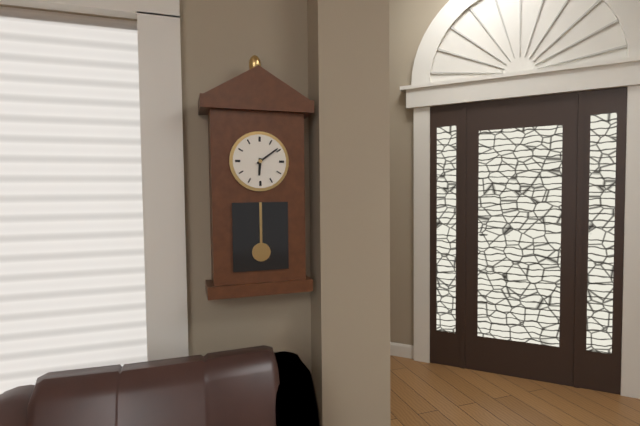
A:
6 h 09 min
